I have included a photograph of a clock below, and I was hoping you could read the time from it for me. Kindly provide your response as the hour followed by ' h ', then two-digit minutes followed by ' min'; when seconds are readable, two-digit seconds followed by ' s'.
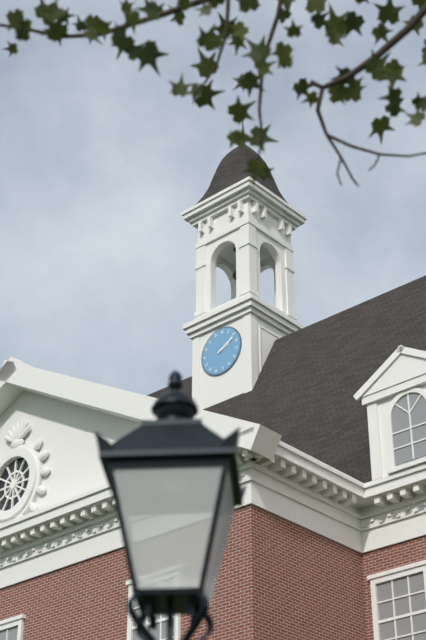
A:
2 h 10 min
